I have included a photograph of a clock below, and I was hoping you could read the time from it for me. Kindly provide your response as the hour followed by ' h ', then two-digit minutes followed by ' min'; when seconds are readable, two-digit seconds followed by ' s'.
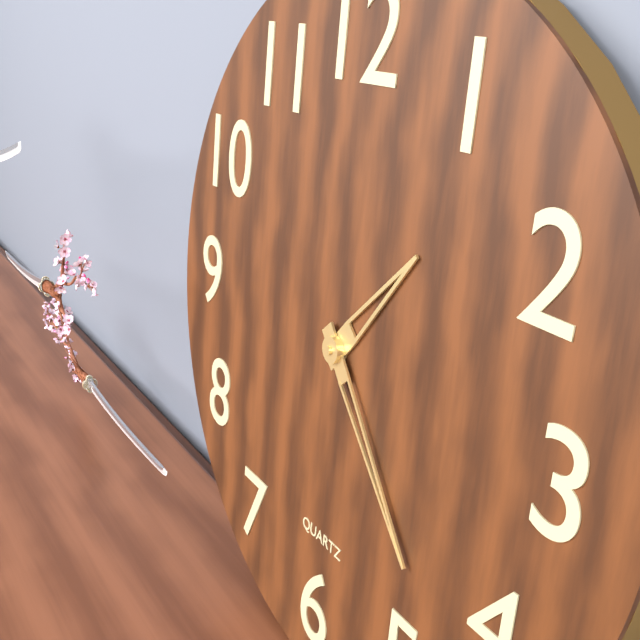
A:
1 h 23 min
